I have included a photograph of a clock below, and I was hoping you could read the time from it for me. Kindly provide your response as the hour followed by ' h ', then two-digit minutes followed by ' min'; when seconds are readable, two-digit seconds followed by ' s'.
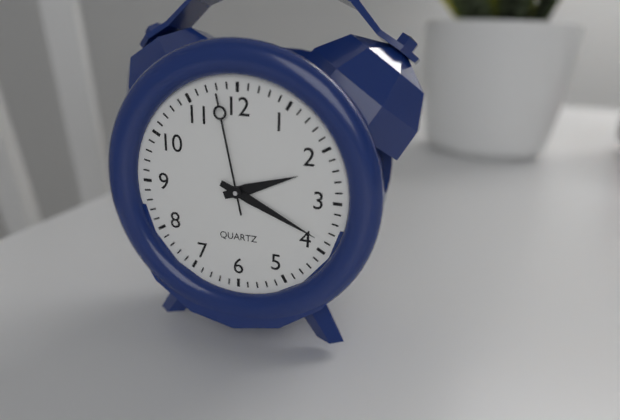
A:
2 h 19 min 58 s
